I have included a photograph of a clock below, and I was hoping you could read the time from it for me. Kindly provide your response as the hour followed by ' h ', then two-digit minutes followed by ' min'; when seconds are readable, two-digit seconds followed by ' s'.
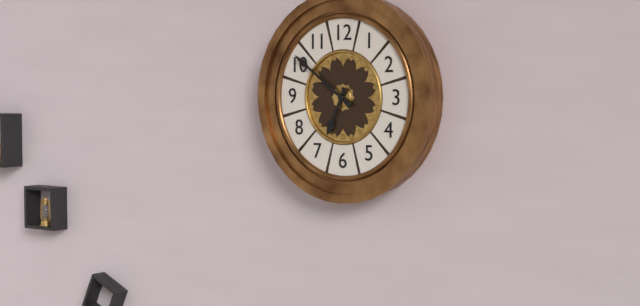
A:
6 h 51 min
